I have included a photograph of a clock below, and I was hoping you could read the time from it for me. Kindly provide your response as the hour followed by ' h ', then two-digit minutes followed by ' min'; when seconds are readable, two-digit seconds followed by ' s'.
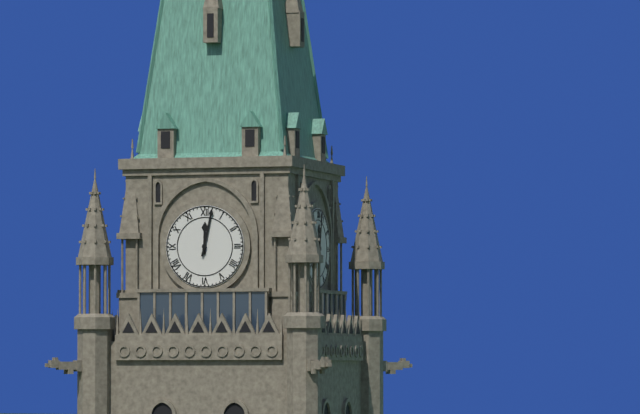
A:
12 h 02 min
